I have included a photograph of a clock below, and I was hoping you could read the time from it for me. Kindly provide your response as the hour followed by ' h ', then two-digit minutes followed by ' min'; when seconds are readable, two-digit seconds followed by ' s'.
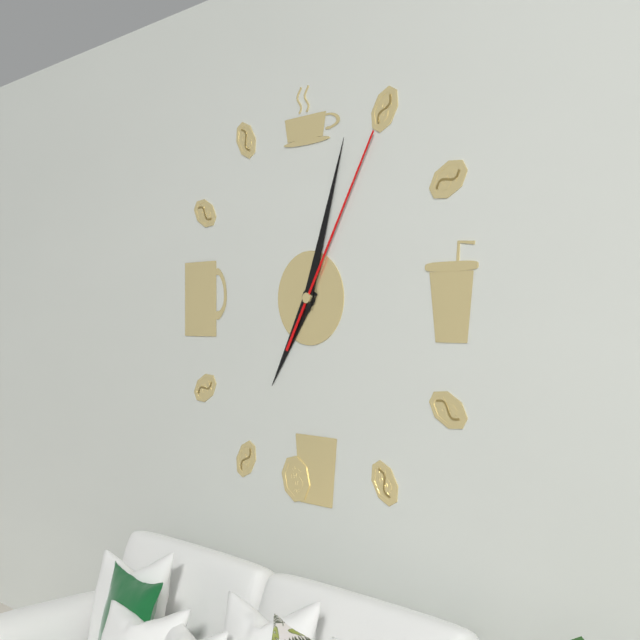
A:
7 h 03 min 05 s
